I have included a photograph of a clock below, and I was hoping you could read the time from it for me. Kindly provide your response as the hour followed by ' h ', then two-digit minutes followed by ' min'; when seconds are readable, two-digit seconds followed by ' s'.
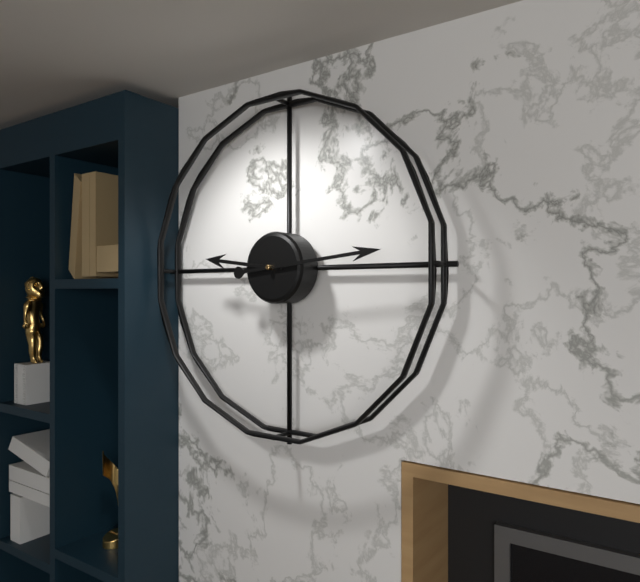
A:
9 h 14 min
